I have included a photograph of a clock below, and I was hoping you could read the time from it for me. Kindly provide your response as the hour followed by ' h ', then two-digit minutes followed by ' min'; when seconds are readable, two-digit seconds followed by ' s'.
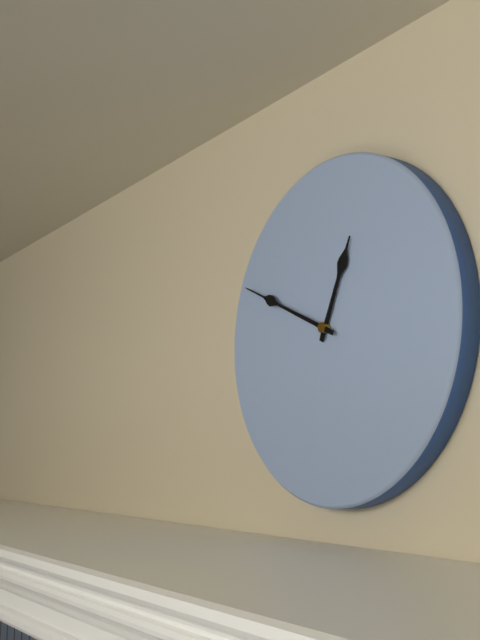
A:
12 h 49 min
